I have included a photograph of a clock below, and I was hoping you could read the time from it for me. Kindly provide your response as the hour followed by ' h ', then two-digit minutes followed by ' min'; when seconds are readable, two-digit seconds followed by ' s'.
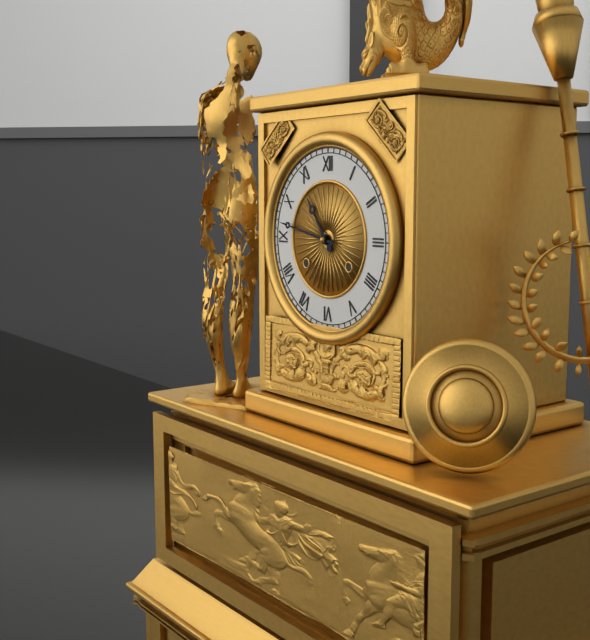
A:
10 h 47 min
